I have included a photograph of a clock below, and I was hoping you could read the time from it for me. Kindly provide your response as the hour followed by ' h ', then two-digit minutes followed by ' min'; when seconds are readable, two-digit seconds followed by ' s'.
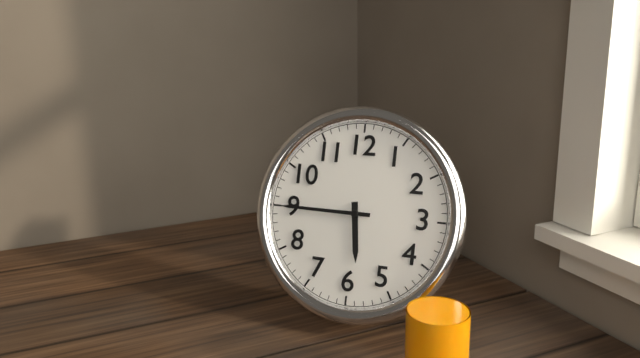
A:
5 h 45 min
